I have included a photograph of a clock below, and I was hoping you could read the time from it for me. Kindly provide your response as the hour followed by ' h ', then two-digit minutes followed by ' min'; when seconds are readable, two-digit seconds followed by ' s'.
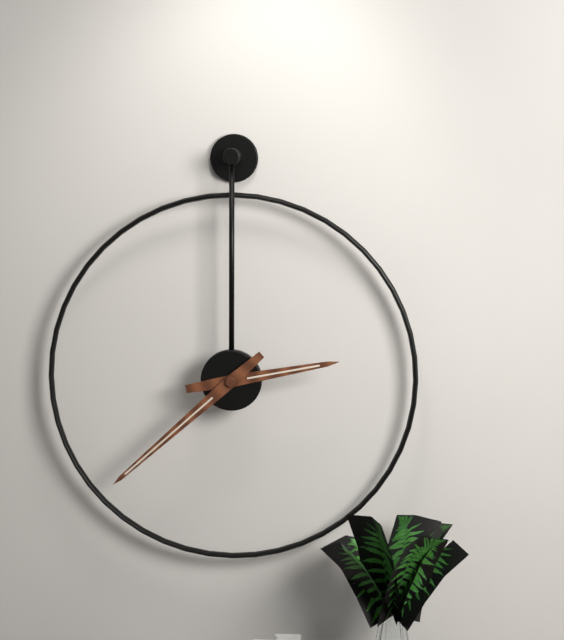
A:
2 h 38 min
